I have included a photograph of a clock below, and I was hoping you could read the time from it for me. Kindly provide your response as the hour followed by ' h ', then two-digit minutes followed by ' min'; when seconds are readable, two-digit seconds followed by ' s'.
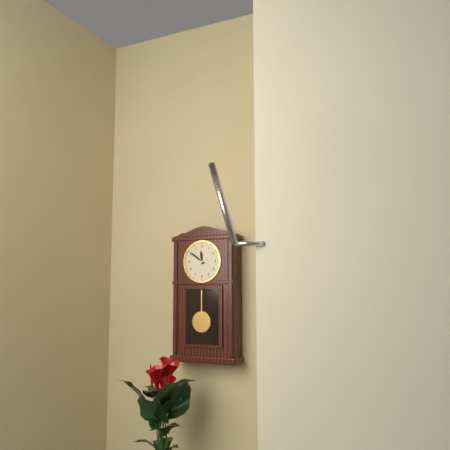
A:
11 h 51 min
